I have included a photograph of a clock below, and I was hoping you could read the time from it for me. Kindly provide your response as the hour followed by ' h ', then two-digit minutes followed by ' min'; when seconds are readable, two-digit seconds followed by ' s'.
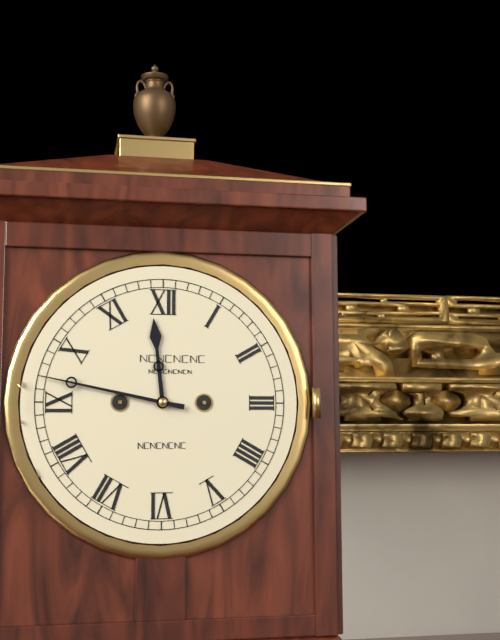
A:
11 h 47 min
